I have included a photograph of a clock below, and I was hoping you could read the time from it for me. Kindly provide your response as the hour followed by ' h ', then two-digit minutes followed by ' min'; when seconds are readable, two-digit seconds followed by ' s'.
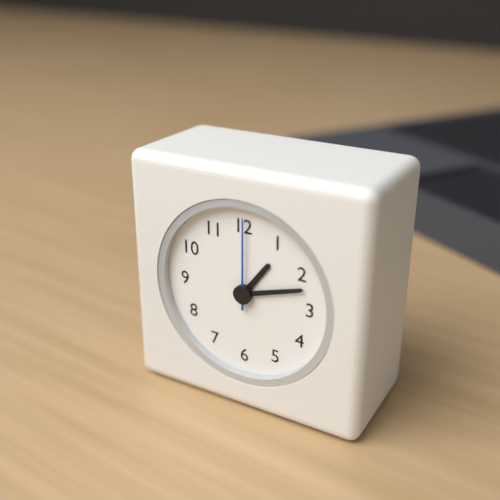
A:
1 h 12 min 00 s
